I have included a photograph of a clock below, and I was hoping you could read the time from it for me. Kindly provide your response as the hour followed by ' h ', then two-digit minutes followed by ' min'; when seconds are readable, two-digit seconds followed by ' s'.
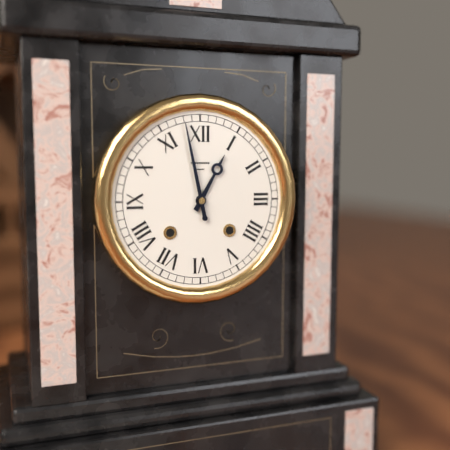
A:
12 h 58 min
